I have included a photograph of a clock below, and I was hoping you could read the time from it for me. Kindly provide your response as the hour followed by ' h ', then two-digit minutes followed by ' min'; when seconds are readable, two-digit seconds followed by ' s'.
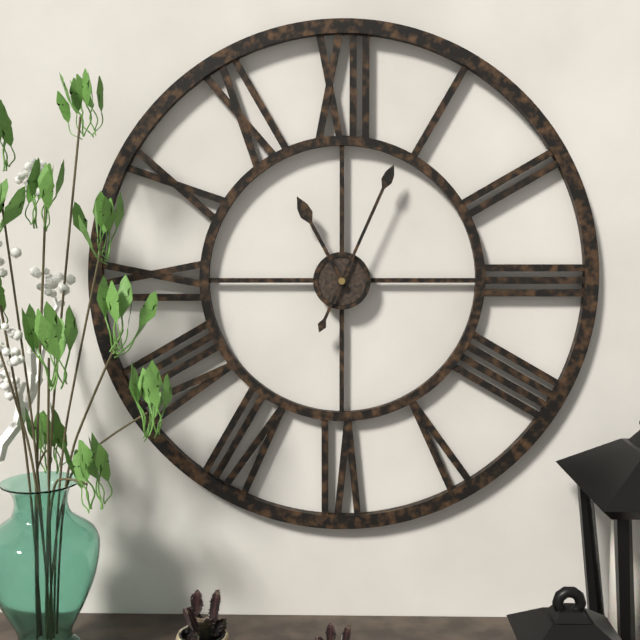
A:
11 h 04 min
